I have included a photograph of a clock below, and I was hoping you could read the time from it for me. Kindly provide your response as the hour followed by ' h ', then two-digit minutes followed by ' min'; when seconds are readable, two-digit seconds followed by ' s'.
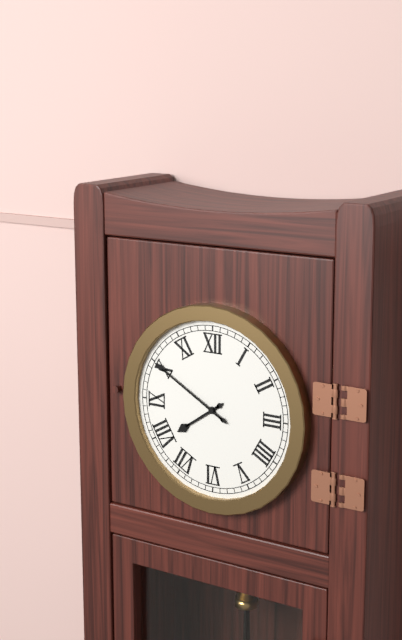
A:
7 h 50 min
